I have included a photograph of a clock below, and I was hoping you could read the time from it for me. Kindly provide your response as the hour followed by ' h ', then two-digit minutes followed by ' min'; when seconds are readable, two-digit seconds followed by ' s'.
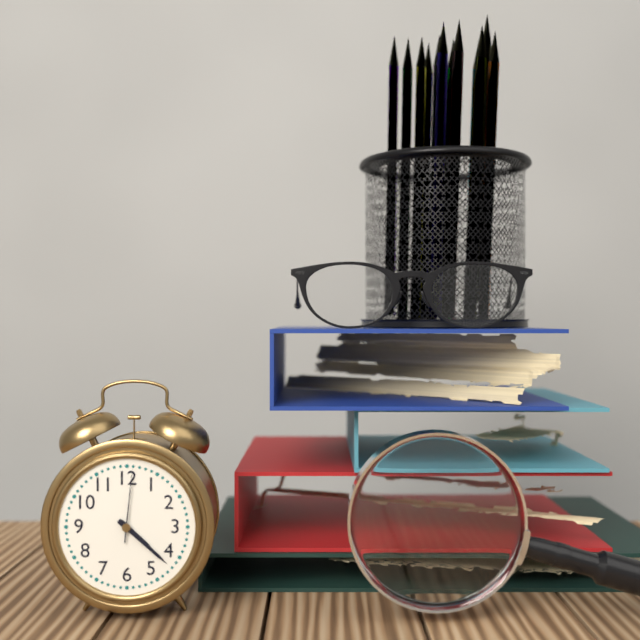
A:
4 h 22 min 01 s
